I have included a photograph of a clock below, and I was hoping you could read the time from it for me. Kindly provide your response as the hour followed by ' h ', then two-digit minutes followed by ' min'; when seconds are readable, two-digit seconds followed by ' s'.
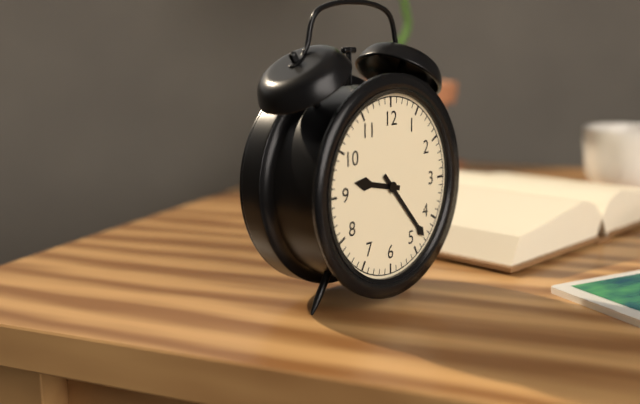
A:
9 h 23 min
